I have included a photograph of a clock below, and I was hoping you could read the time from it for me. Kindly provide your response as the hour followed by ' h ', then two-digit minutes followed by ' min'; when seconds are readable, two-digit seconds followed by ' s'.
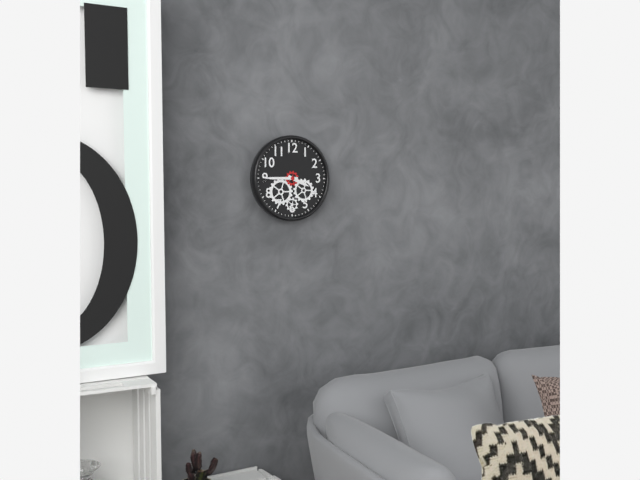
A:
3 h 45 min
